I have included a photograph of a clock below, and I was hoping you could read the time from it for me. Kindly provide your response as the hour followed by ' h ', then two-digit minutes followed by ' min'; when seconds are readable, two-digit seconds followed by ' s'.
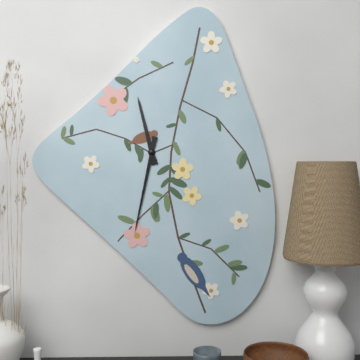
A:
11 h 32 min
